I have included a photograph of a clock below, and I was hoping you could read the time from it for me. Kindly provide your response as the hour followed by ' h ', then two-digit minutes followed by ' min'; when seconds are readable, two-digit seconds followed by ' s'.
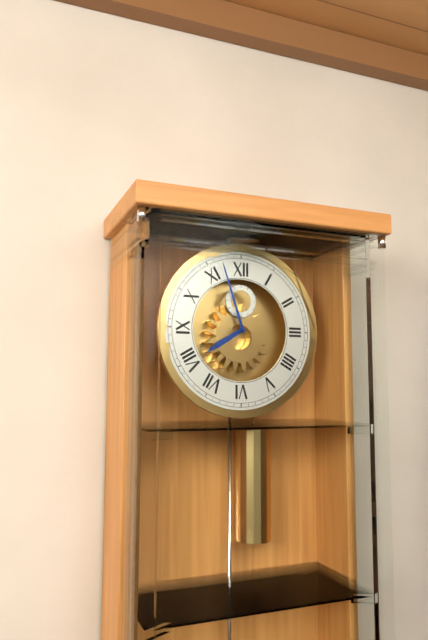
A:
7 h 57 min
